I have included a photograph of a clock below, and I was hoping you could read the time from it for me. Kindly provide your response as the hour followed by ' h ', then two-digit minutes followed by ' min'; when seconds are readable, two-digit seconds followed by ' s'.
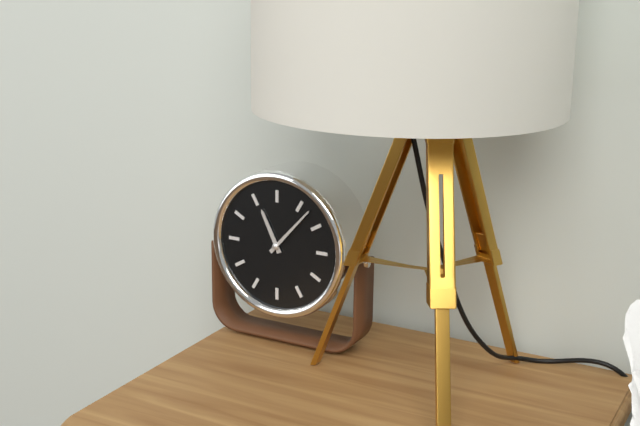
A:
11 h 07 min
